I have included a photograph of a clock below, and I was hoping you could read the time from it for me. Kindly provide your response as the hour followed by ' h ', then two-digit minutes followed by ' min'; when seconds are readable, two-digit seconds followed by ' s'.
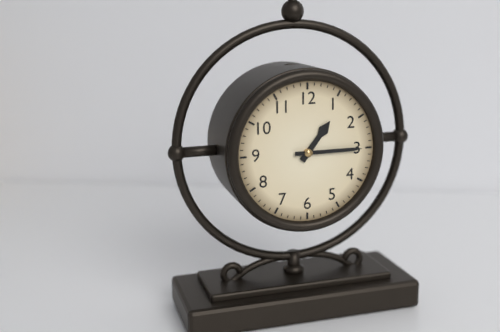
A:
1 h 15 min
